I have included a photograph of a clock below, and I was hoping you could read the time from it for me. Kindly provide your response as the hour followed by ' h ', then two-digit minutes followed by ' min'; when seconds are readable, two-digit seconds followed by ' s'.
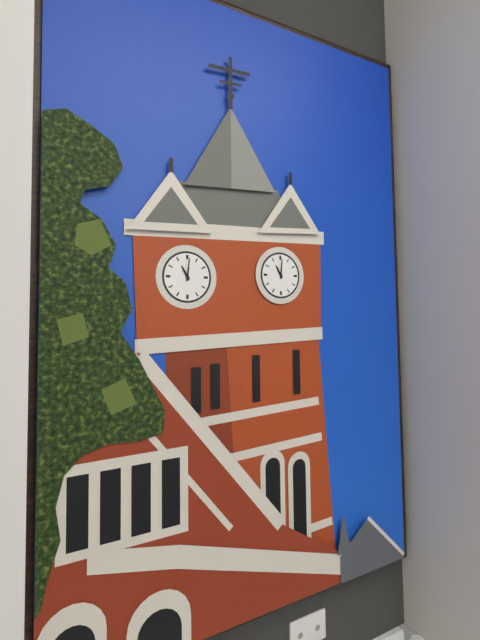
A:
11 h 01 min
